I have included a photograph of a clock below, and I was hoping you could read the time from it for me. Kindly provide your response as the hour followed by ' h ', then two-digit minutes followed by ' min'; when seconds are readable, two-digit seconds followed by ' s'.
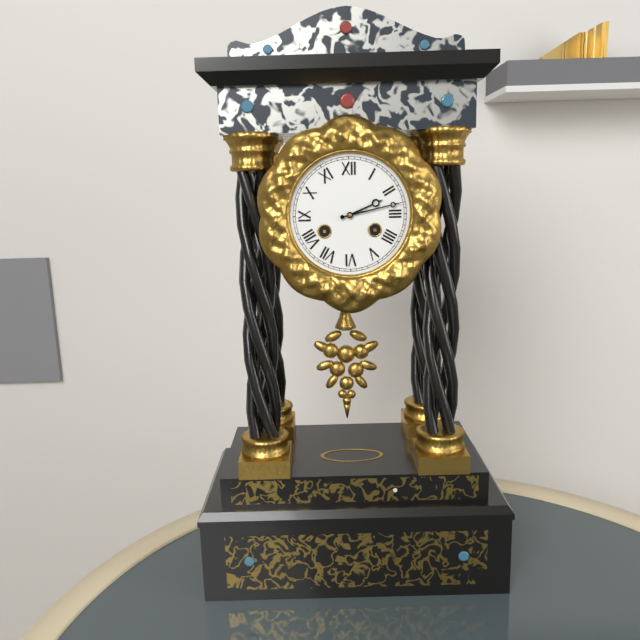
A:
2 h 13 min
